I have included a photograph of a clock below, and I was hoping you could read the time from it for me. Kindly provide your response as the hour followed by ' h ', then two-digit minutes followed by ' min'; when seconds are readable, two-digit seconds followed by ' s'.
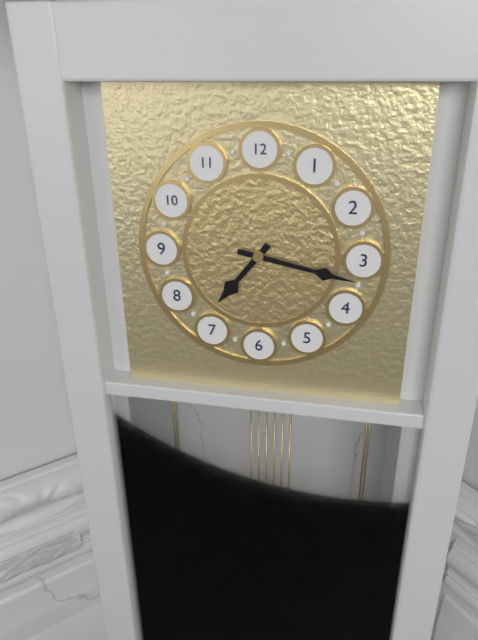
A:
7 h 17 min
